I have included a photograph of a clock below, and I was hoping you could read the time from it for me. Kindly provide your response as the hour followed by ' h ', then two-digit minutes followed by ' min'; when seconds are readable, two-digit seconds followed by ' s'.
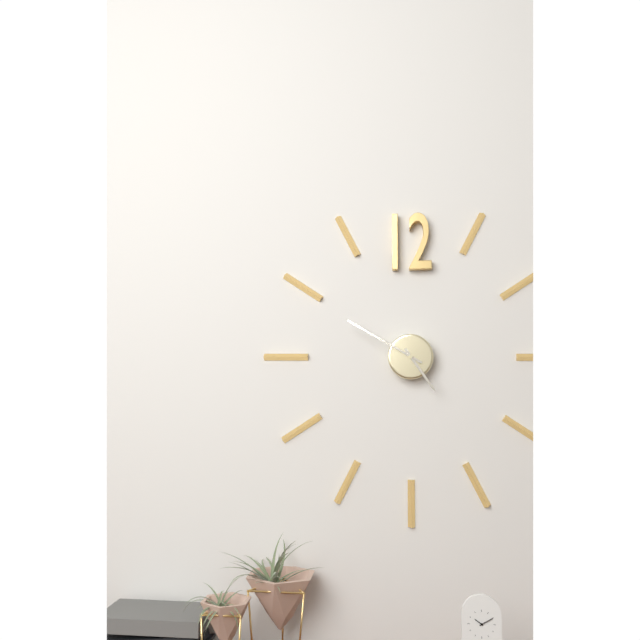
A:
4 h 50 min
